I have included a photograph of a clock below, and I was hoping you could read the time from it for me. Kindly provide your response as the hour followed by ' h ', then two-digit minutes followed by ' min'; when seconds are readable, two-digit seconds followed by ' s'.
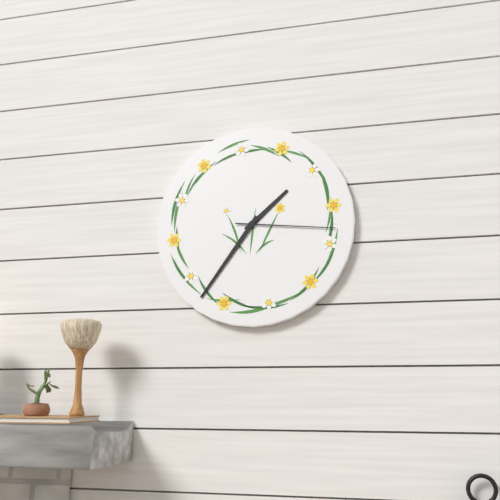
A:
1 h 36 min 16 s
